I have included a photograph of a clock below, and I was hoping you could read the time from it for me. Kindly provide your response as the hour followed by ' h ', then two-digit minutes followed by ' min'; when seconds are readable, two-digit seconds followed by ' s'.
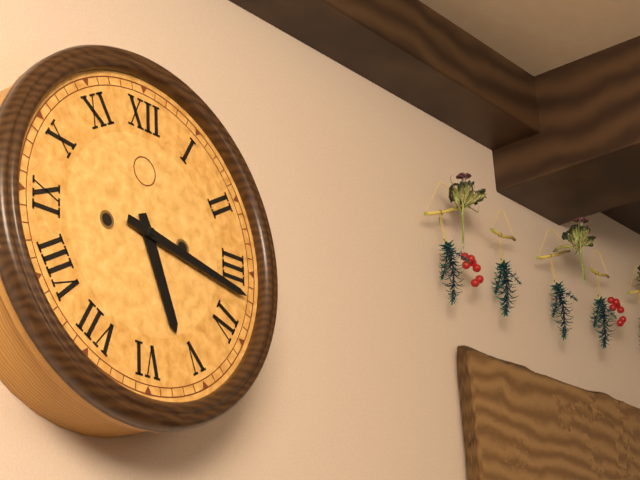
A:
5 h 17 min
